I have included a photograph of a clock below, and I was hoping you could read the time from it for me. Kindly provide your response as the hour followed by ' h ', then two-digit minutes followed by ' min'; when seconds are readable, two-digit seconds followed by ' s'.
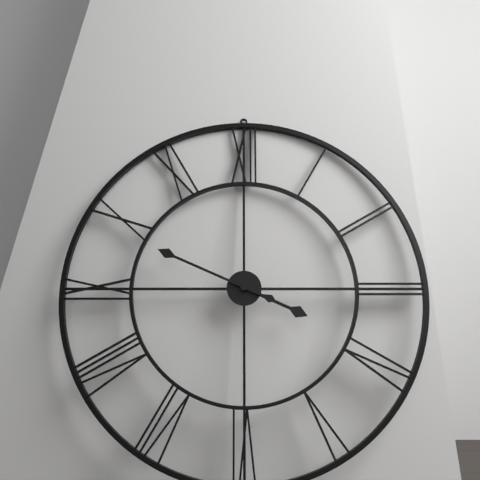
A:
3 h 49 min
